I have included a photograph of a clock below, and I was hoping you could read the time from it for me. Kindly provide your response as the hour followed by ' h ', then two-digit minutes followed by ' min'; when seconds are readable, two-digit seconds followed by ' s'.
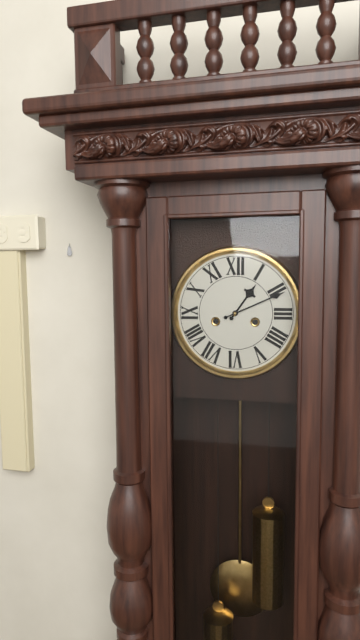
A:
1 h 11 min
